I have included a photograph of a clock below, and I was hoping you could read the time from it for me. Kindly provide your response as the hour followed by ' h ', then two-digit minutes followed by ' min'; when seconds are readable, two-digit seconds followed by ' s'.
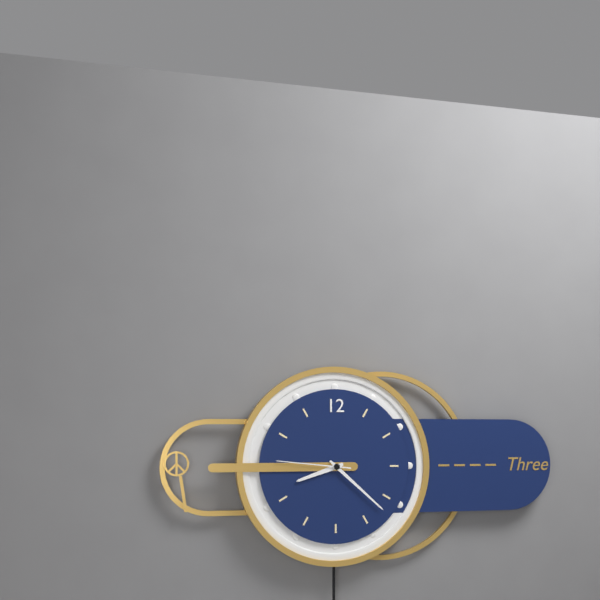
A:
8 h 22 min 46 s
